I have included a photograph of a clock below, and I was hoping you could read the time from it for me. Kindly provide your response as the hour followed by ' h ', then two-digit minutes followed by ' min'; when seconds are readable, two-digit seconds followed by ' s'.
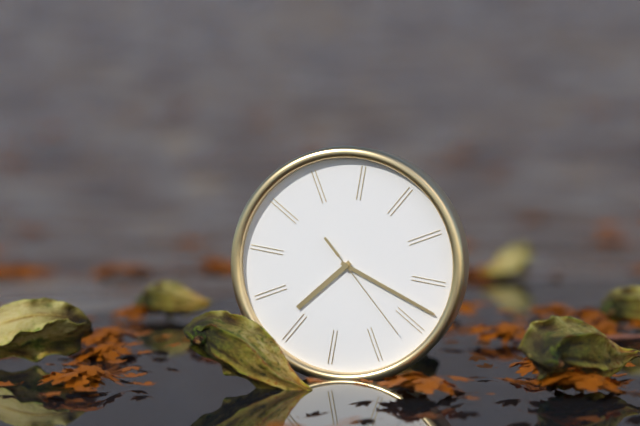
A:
7 h 18 min 22 s
